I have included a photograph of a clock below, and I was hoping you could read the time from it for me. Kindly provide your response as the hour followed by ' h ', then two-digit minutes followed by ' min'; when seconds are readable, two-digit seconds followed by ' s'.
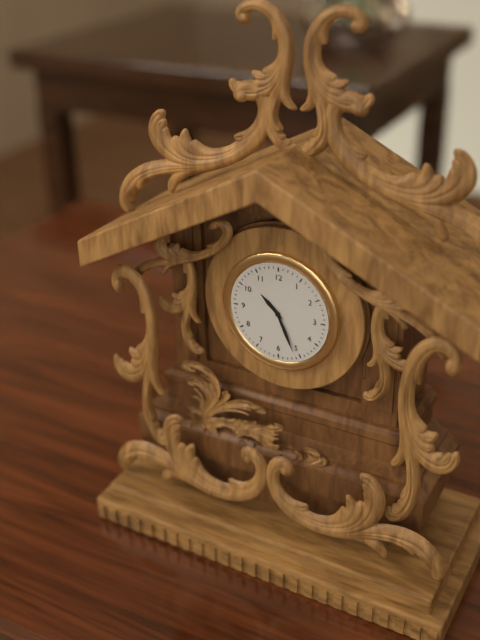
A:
10 h 26 min
